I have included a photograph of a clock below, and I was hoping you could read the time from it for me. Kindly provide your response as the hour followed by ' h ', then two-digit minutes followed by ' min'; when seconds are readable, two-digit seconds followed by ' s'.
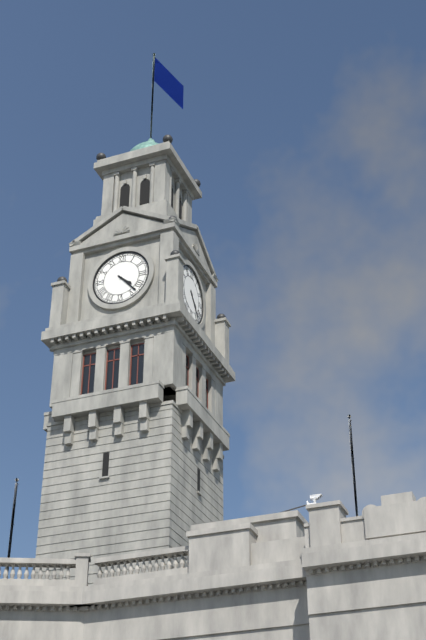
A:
4 h 23 min
